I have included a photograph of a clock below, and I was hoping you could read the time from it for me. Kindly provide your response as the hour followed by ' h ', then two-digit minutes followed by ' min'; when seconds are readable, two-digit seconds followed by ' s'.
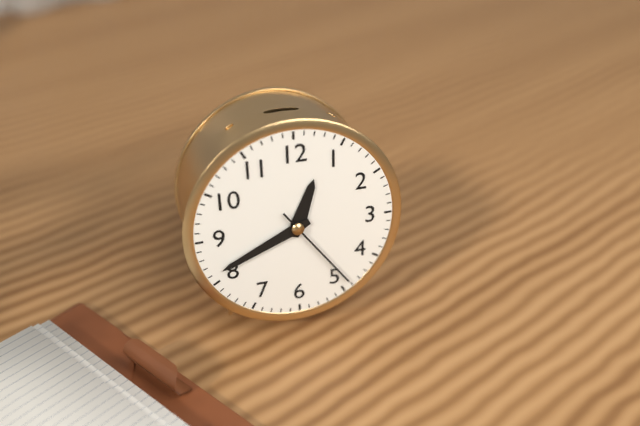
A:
12 h 41 min 24 s
